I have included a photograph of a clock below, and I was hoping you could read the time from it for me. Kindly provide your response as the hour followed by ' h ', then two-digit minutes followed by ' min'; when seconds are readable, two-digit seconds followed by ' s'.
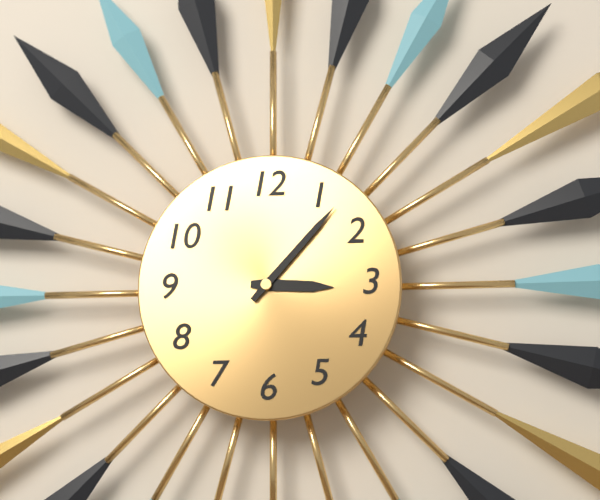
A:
3 h 07 min
